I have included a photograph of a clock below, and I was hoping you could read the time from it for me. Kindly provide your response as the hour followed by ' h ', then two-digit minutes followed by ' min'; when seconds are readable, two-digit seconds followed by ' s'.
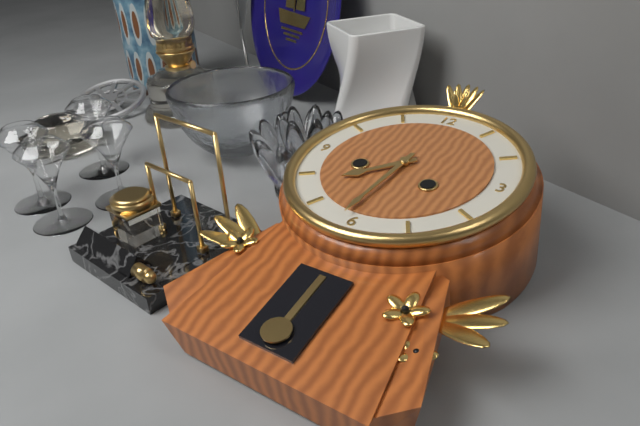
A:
7 h 31 min
